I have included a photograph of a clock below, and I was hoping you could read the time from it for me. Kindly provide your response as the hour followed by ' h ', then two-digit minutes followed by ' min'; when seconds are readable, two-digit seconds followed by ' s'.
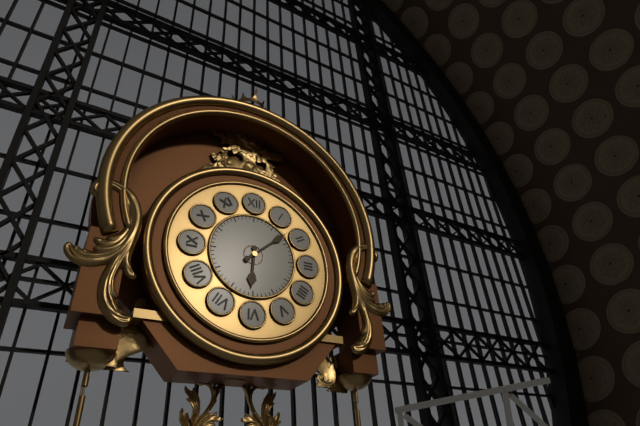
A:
6 h 08 min
